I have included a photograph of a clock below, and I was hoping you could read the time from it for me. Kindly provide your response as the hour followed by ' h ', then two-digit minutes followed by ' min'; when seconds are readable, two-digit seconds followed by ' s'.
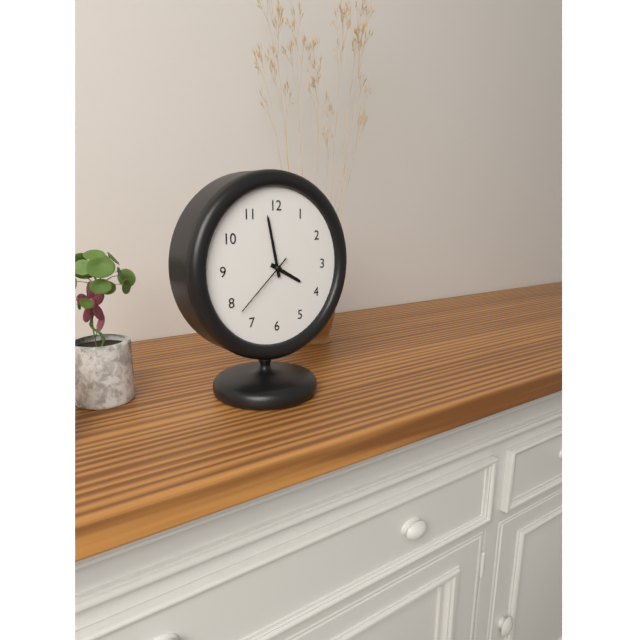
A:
3 h 58 min 38 s
